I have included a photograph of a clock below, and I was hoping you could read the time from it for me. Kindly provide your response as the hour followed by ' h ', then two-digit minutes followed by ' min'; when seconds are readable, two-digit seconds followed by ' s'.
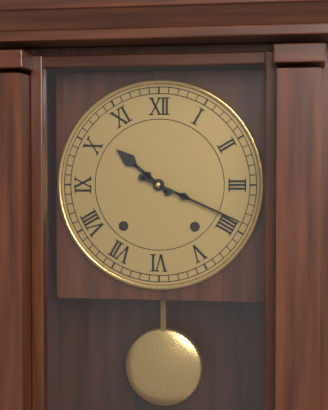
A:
10 h 19 min
